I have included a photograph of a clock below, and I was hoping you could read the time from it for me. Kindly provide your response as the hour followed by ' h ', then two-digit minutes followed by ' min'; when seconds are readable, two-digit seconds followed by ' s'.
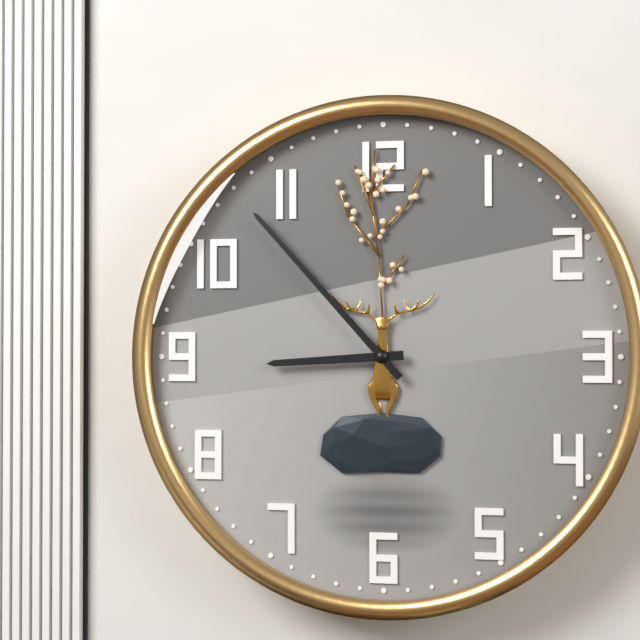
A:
8 h 53 min
